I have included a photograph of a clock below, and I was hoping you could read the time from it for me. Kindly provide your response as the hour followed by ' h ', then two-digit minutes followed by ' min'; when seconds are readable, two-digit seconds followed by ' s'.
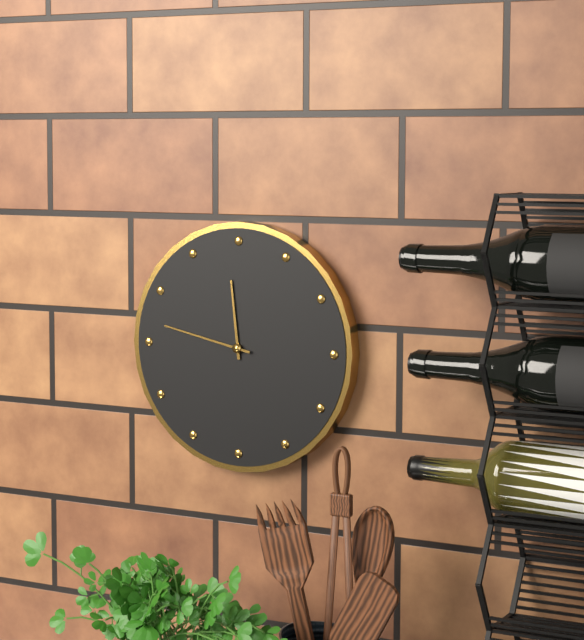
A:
11 h 47 min
